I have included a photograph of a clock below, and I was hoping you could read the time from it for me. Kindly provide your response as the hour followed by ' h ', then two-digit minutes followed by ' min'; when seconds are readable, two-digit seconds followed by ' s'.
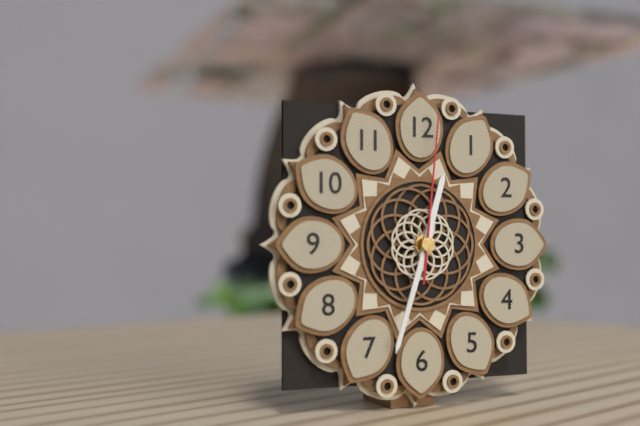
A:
12 h 33 min 01 s
